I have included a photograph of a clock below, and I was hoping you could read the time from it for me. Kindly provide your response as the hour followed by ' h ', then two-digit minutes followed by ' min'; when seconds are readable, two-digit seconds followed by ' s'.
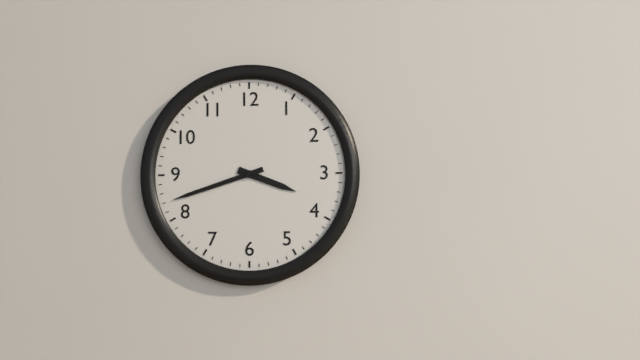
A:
3 h 42 min
